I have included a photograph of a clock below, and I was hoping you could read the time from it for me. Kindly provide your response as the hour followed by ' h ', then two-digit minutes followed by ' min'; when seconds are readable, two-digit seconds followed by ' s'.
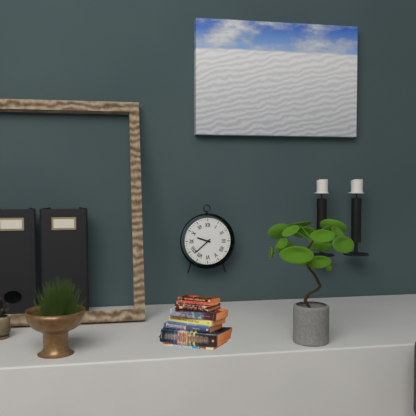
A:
9 h 38 min
